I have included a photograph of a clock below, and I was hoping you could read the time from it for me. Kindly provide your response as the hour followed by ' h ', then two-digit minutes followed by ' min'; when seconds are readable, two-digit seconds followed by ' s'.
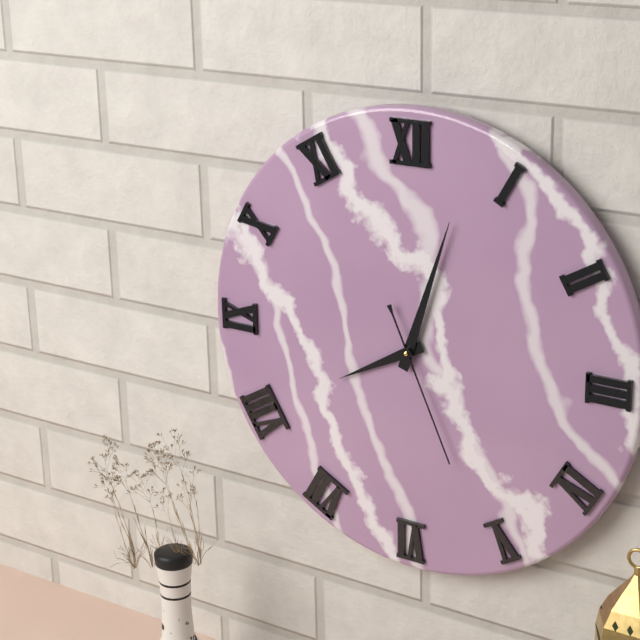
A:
8 h 03 min 26 s
